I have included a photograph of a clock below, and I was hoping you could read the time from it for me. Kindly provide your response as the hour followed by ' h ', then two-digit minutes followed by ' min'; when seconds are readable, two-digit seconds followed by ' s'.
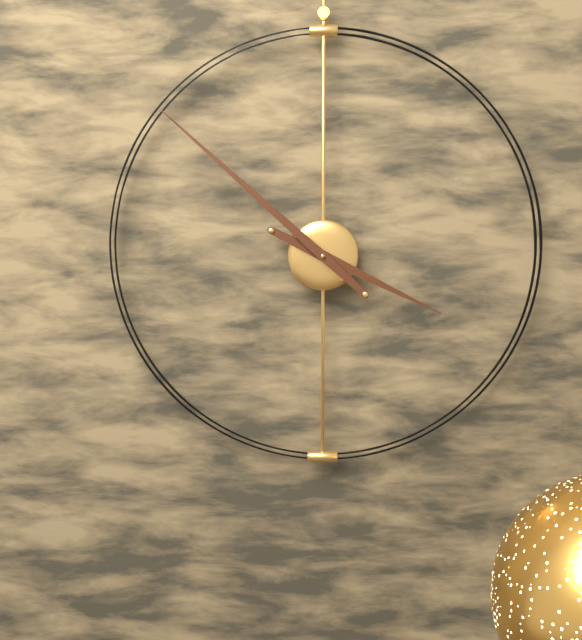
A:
3 h 52 min
